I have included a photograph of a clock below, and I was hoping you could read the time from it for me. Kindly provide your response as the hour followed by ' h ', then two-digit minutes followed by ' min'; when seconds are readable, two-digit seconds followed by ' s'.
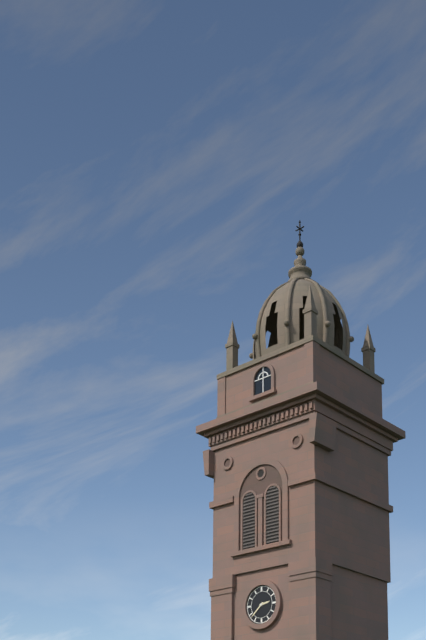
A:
2 h 38 min
